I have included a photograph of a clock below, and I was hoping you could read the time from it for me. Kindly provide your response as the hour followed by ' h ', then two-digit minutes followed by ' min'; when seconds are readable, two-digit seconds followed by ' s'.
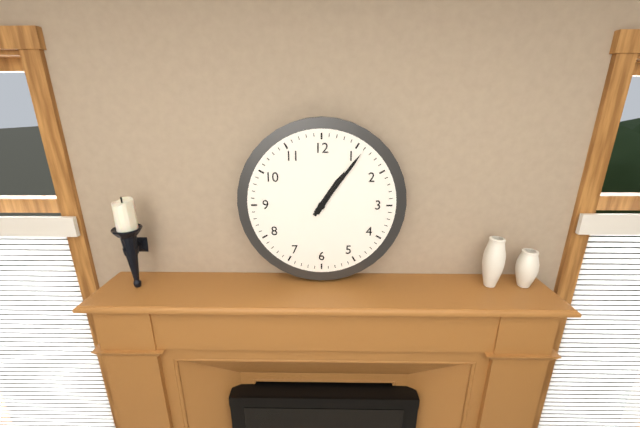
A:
1 h 06 min
